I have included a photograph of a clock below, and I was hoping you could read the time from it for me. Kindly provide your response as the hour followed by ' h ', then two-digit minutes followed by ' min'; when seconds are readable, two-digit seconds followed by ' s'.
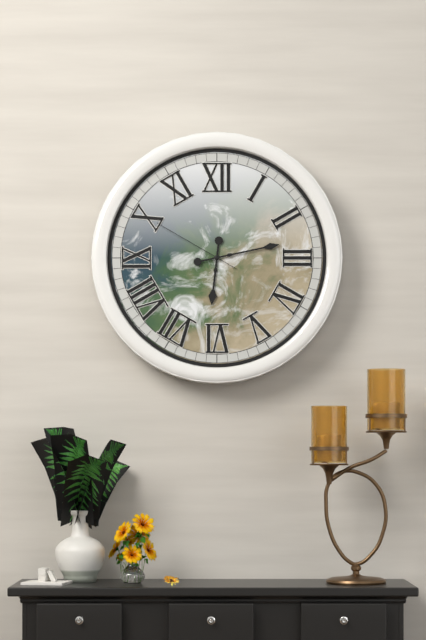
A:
6 h 13 min 50 s
